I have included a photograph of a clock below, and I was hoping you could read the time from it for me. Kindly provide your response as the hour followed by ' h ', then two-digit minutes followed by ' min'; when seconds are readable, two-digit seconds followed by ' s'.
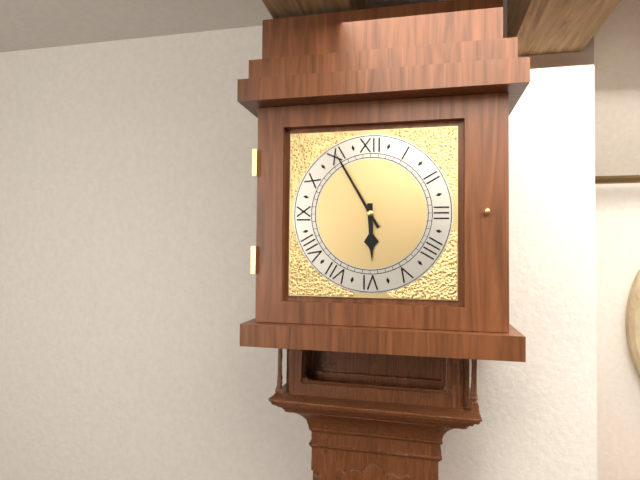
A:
5 h 55 min
